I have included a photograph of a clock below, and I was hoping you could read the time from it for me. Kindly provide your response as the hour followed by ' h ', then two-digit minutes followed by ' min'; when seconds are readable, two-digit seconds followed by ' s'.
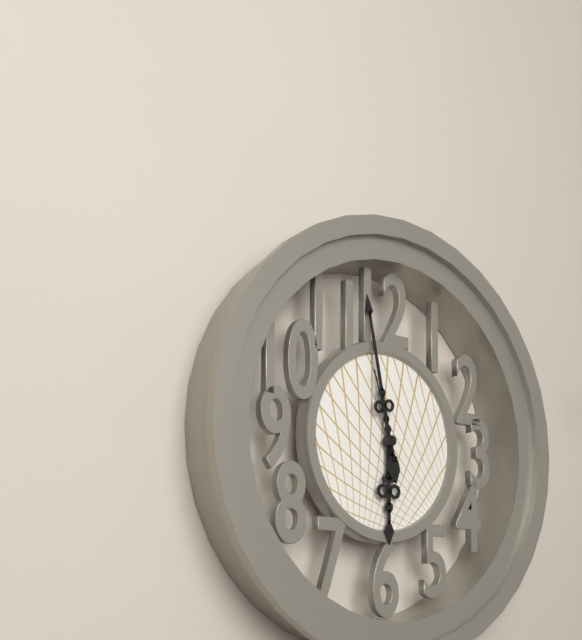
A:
5 h 58 min 57 s
